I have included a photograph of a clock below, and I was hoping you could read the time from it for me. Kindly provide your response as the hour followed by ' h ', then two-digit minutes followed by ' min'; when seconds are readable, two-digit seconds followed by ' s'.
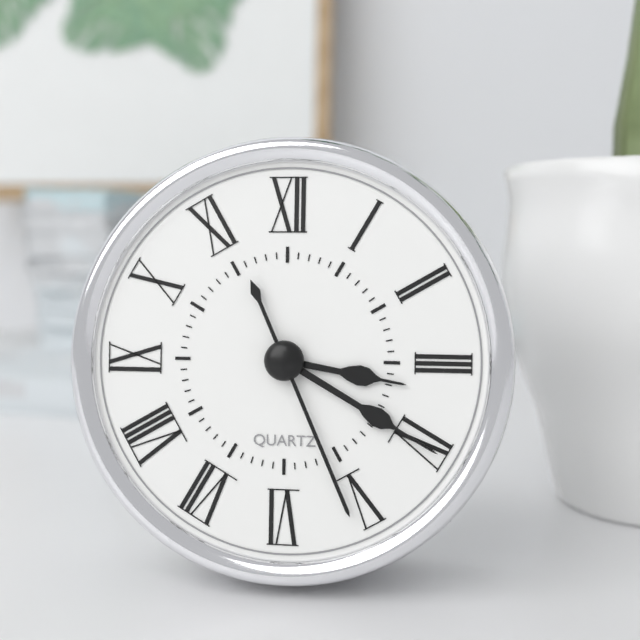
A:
3 h 20 min 26 s
